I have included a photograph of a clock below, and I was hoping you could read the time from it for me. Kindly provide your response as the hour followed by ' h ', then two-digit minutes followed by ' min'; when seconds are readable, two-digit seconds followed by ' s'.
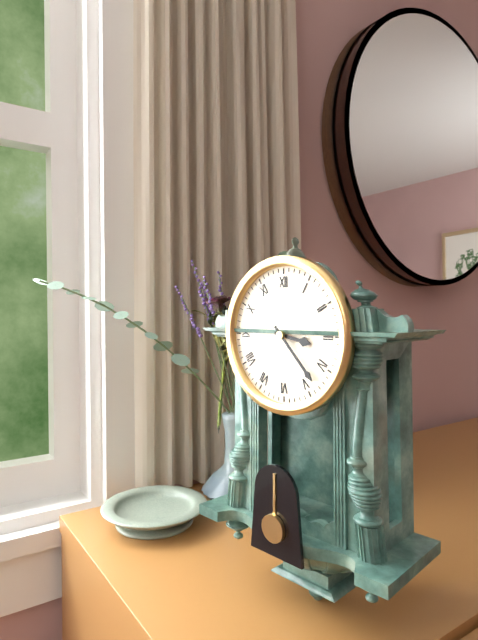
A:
3 h 23 min
